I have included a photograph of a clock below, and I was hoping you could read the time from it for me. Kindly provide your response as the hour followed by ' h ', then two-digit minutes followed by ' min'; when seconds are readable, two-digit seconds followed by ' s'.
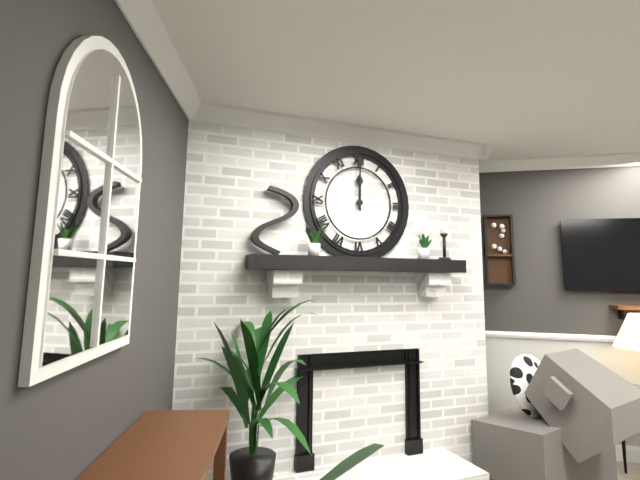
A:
12 h 00 min
